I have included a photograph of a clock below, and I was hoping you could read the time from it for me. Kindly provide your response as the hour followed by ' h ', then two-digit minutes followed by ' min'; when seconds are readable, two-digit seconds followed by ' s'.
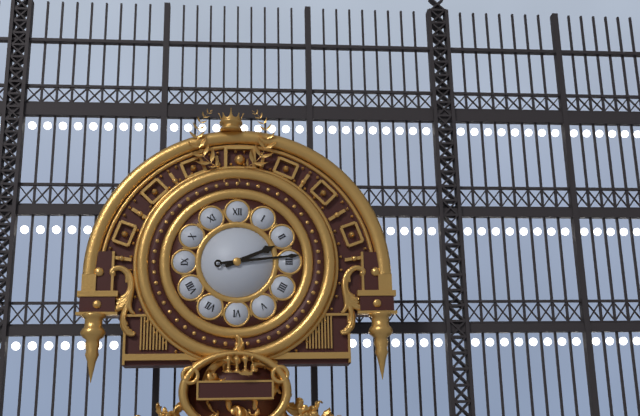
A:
2 h 14 min
